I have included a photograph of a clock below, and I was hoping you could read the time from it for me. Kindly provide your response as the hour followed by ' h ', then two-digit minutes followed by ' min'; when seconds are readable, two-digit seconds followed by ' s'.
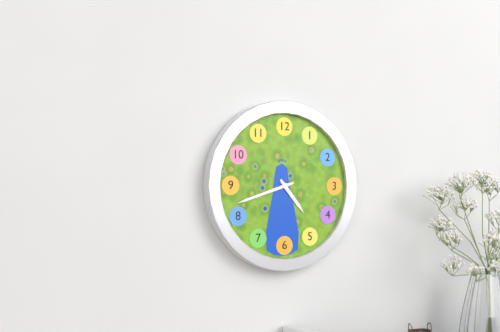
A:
4 h 42 min
